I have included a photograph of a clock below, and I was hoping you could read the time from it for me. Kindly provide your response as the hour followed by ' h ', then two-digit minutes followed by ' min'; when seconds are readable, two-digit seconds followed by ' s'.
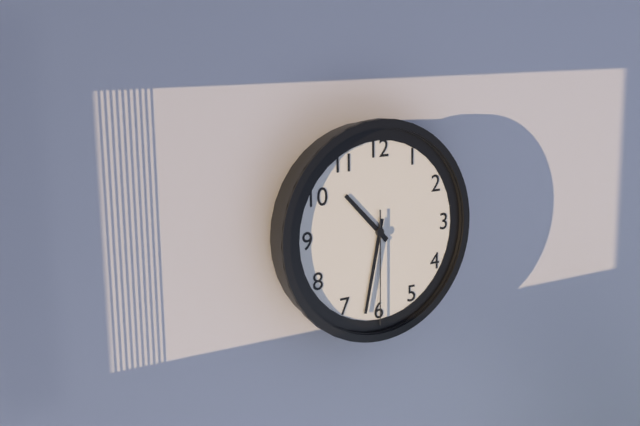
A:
10 h 32 min 30 s
